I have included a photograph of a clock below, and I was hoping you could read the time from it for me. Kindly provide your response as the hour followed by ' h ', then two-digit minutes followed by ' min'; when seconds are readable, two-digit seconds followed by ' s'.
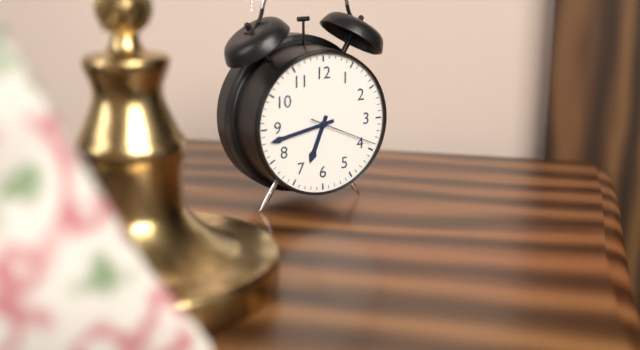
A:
6 h 43 min 19 s
